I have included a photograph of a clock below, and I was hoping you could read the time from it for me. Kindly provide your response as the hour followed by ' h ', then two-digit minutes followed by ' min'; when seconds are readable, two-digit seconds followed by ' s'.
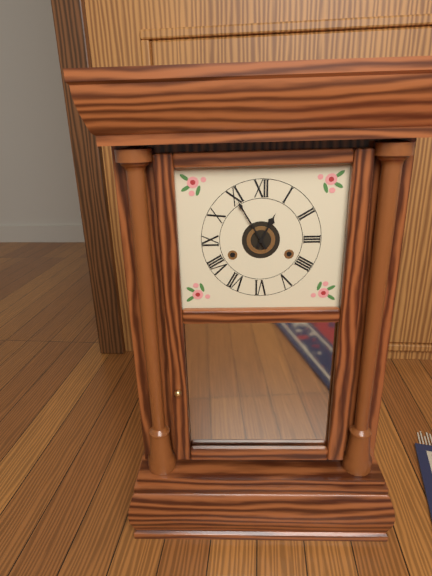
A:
12 h 55 min
